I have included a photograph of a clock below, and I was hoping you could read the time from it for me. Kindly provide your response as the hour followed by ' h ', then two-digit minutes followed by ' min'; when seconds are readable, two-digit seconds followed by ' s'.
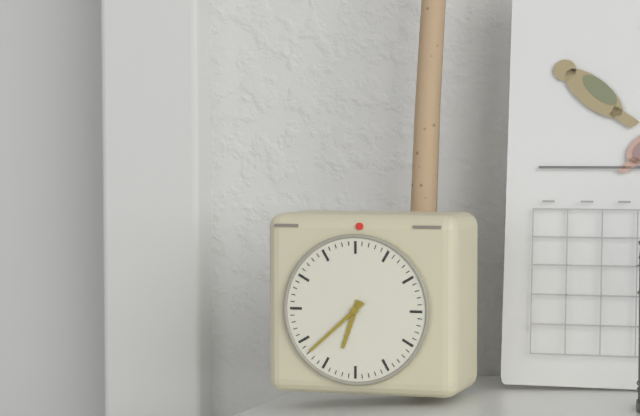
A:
6 h 38 min
